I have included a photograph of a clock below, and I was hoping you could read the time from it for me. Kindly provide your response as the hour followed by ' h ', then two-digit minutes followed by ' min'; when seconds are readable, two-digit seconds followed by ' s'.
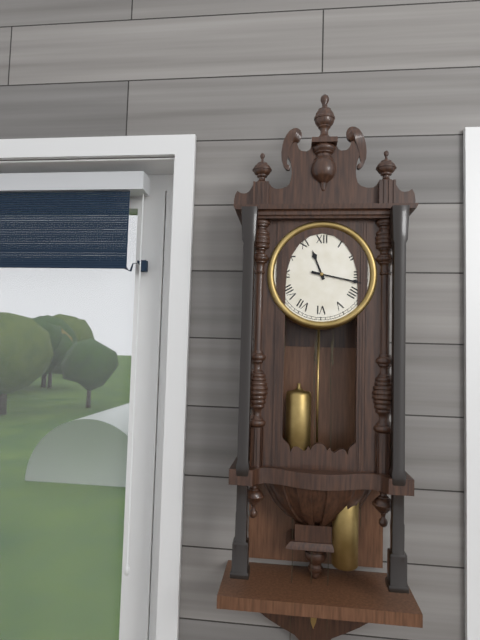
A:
11 h 17 min
